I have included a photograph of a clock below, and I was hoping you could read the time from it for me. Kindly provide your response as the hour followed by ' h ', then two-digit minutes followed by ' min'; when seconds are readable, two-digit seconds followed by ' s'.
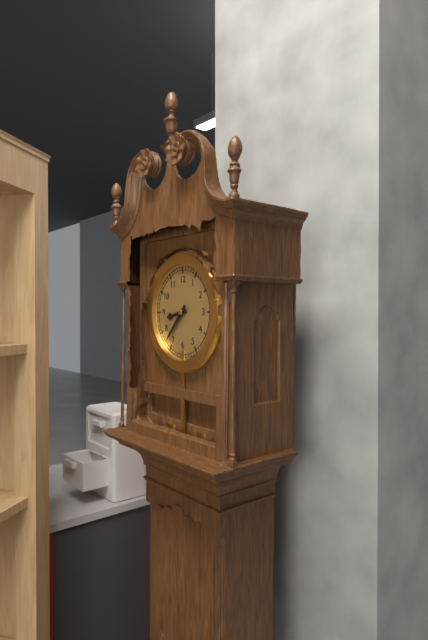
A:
8 h 37 min
